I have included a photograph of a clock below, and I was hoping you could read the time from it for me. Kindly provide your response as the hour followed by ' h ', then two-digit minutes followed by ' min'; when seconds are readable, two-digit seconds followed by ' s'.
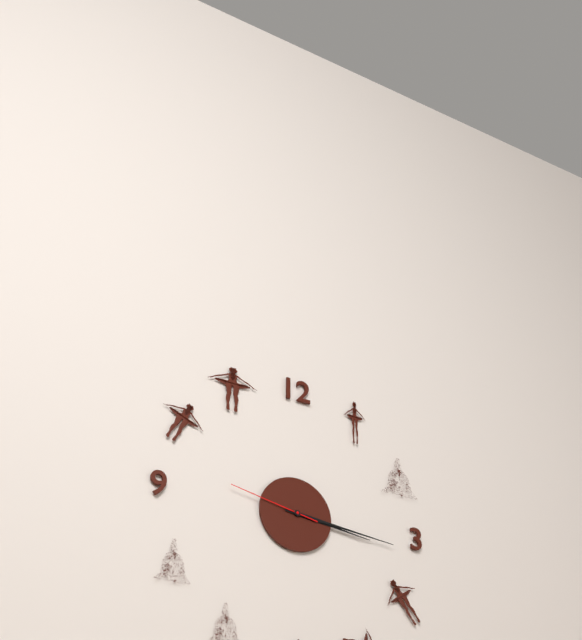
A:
3 h 16 min 47 s
